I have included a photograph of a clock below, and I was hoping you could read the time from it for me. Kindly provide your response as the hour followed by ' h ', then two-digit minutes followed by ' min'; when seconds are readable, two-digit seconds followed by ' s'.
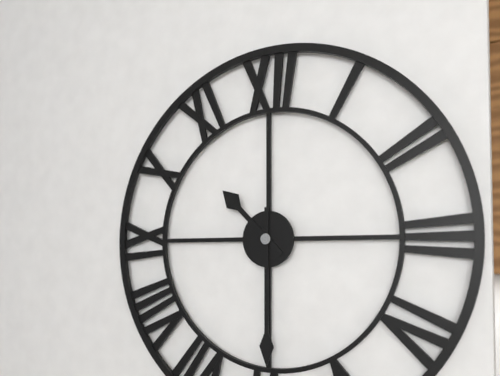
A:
10 h 30 min
